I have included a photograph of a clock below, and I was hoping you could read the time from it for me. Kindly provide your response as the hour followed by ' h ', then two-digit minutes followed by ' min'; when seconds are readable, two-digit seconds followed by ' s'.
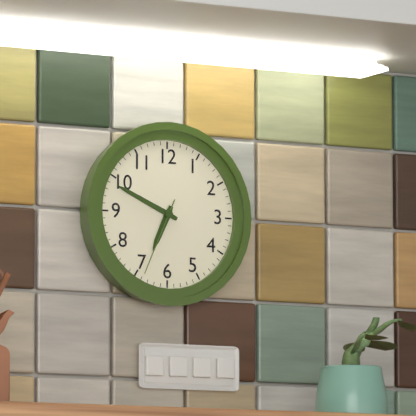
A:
6 h 49 min 34 s
